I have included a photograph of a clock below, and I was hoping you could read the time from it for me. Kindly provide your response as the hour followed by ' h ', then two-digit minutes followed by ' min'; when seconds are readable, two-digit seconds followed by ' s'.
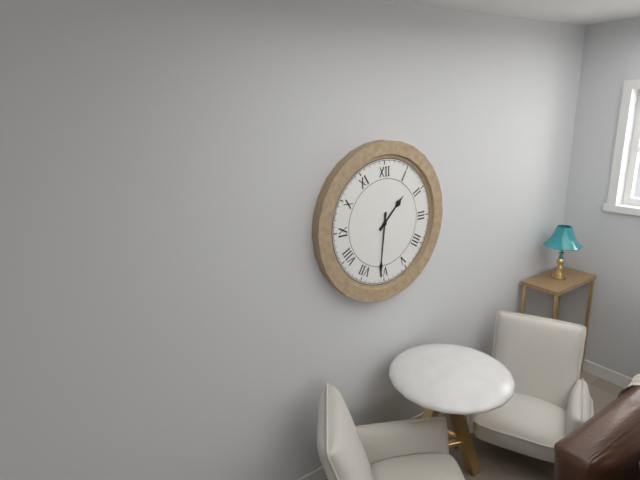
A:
1 h 31 min
